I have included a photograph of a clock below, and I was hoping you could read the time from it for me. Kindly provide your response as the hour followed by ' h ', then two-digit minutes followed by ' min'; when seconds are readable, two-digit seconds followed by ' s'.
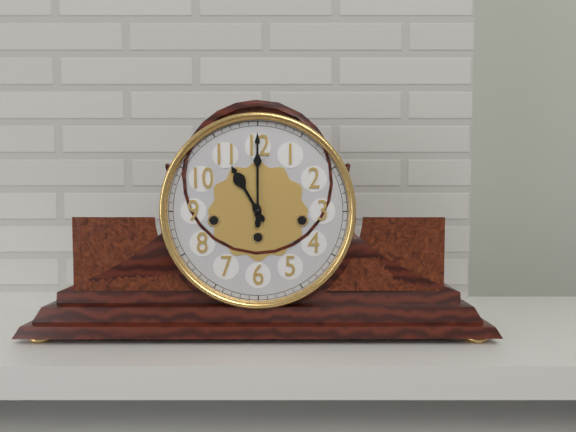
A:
11 h 00 min
